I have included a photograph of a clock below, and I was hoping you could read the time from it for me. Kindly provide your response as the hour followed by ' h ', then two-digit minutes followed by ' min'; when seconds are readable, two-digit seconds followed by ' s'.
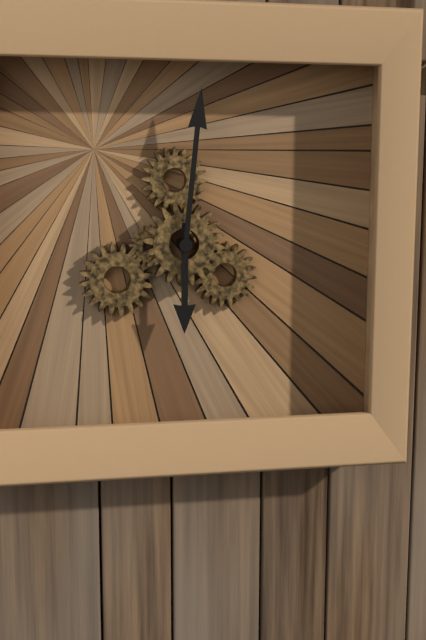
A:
6 h 01 min
